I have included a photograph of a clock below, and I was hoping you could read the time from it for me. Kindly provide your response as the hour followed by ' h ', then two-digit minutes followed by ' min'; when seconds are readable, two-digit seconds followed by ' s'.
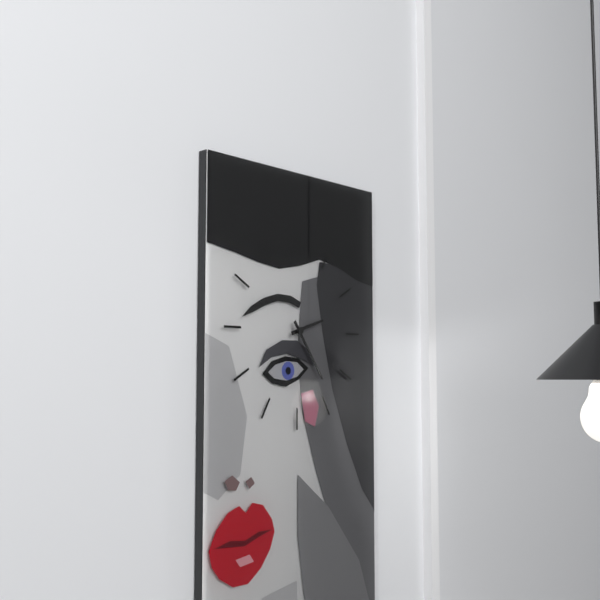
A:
2 h 24 min
